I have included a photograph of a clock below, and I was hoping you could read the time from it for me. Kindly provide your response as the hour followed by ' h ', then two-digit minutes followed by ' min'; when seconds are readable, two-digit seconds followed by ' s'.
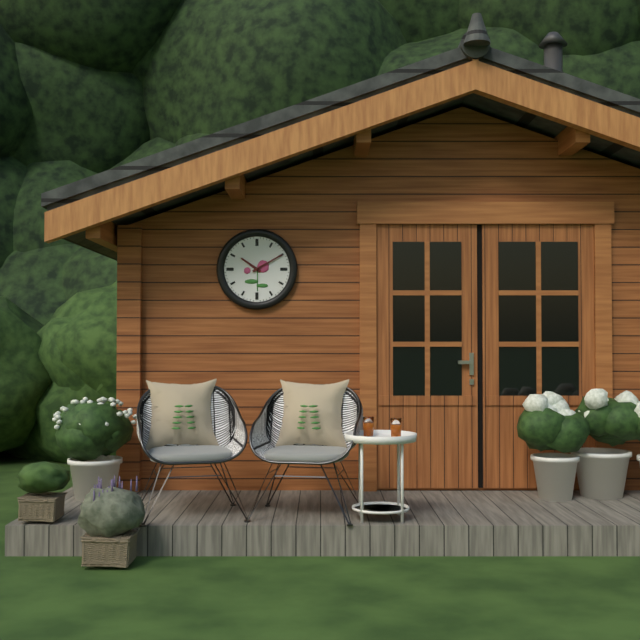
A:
10 h 10 min
